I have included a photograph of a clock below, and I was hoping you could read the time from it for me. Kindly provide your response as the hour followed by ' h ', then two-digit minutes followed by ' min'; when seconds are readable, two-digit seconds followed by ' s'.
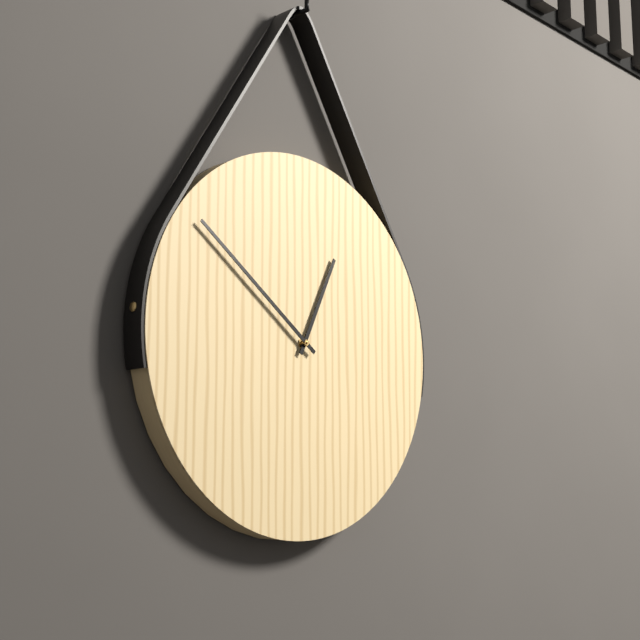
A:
12 h 51 min
